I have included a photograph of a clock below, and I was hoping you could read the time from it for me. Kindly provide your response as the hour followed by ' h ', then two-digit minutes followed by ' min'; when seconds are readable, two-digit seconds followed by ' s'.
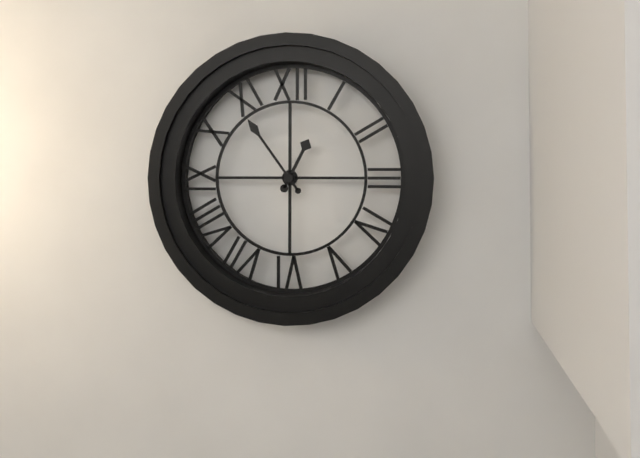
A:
12 h 54 min
